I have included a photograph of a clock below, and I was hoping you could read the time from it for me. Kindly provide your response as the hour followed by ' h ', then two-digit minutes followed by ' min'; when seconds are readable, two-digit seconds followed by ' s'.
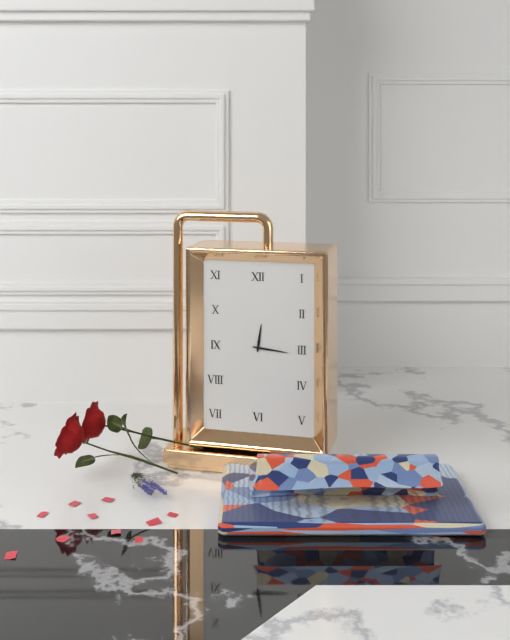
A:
12 h 16 min
